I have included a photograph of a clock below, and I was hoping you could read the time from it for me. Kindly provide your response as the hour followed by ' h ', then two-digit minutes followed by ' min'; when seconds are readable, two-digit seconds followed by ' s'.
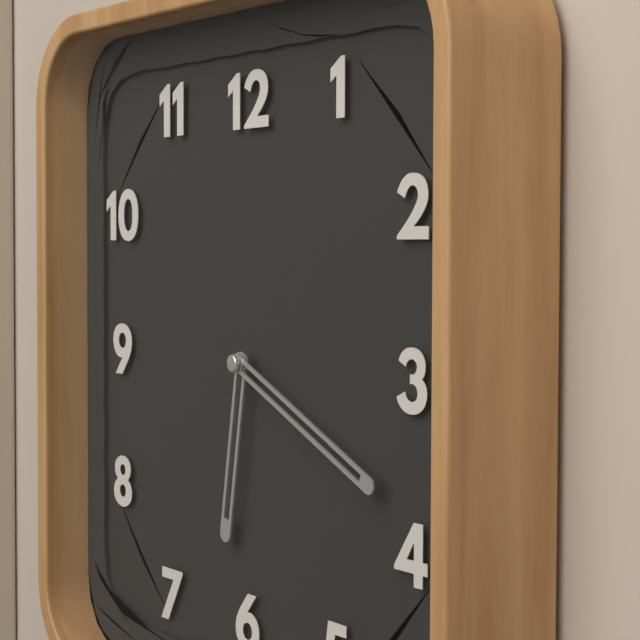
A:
6 h 19 min
